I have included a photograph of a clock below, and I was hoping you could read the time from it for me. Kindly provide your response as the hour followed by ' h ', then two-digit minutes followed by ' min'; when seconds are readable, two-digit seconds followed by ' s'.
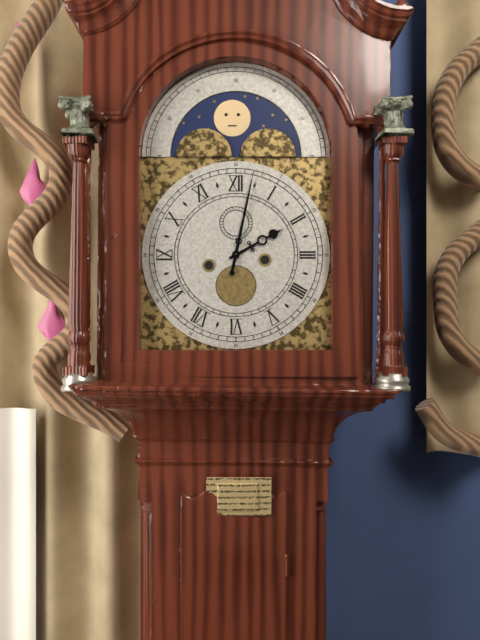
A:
2 h 02 min
